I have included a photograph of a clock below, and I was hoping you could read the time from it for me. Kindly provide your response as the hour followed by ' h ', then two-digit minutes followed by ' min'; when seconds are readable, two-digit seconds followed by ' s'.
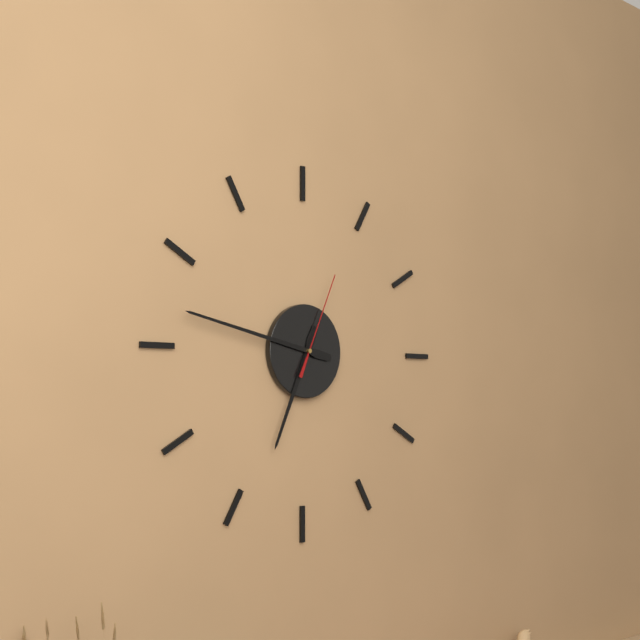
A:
6 h 47 min 04 s
